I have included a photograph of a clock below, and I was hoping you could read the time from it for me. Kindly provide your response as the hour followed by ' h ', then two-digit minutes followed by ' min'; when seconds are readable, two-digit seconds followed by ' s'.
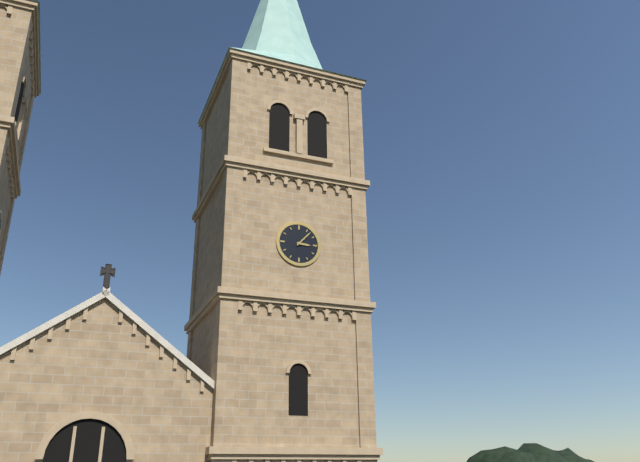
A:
3 h 07 min
